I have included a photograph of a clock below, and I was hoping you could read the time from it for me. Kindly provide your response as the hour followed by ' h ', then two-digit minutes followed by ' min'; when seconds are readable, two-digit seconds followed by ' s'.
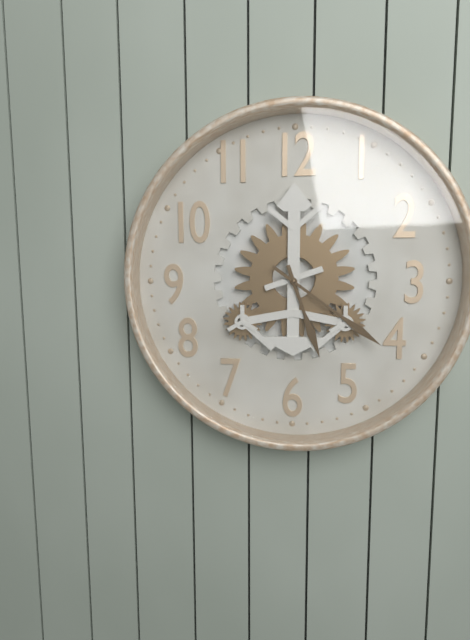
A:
5 h 21 min
